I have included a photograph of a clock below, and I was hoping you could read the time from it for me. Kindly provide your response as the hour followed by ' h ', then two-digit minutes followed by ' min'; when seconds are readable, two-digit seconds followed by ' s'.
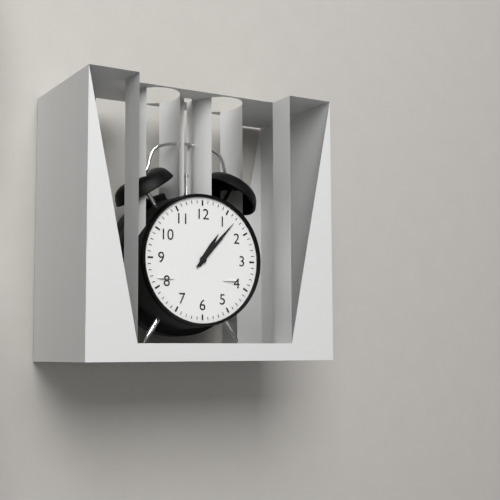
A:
1 h 07 min
